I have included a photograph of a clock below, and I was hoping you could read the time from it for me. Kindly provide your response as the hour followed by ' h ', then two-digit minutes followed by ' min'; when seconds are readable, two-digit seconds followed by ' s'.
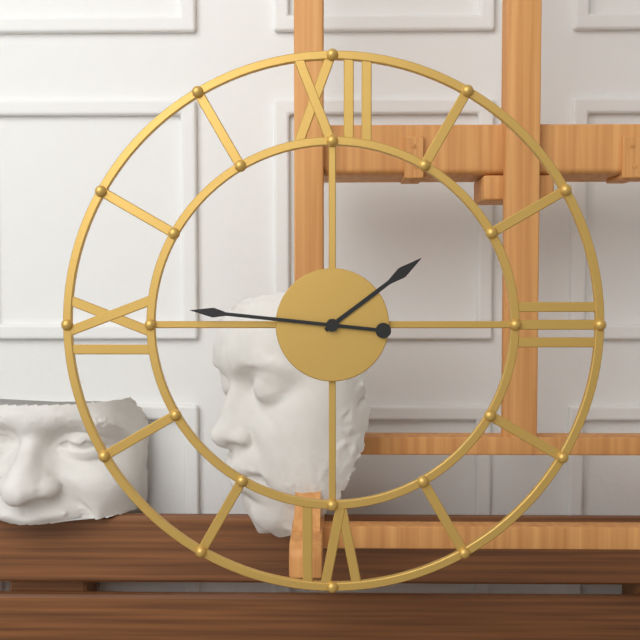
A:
1 h 46 min
